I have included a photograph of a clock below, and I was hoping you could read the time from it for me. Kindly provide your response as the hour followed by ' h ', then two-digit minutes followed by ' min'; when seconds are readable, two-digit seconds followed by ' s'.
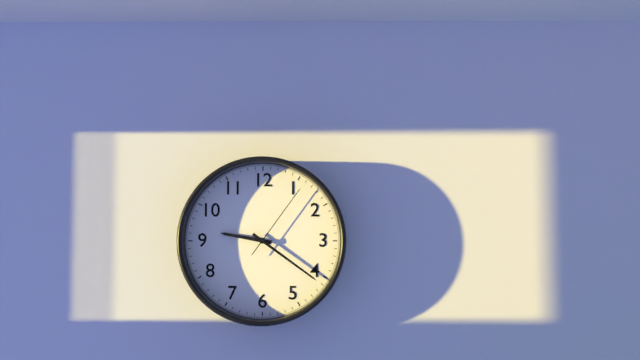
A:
9 h 21 min 06 s
